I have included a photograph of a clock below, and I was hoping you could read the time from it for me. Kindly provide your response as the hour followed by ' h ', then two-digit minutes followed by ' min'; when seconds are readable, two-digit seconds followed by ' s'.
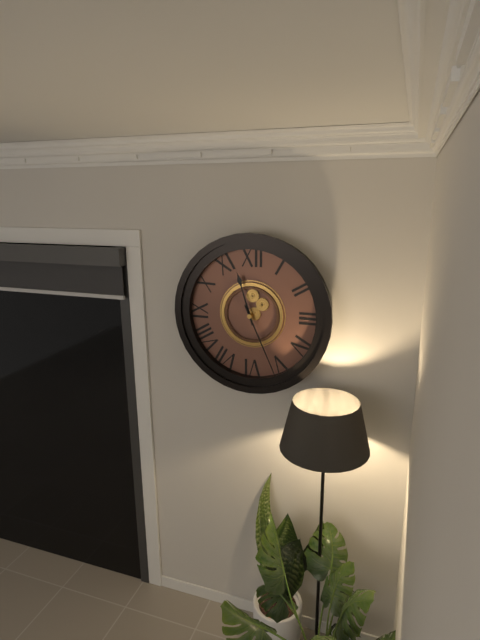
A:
11 h 26 min
